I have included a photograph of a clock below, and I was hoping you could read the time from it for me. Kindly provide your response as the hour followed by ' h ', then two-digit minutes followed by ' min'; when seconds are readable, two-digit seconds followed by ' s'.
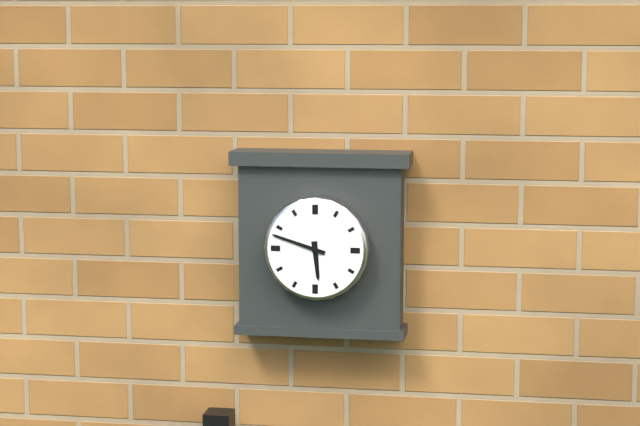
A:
5 h 48 min
